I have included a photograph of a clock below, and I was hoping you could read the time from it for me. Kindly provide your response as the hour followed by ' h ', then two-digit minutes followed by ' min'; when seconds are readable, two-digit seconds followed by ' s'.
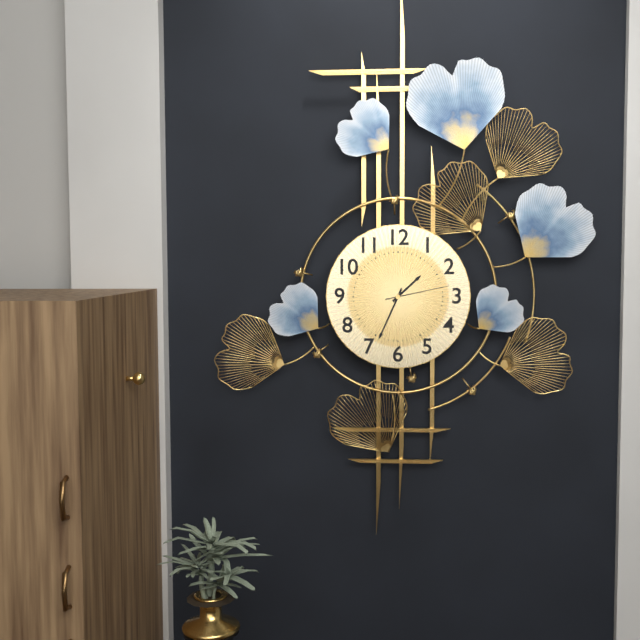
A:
1 h 34 min 13 s
